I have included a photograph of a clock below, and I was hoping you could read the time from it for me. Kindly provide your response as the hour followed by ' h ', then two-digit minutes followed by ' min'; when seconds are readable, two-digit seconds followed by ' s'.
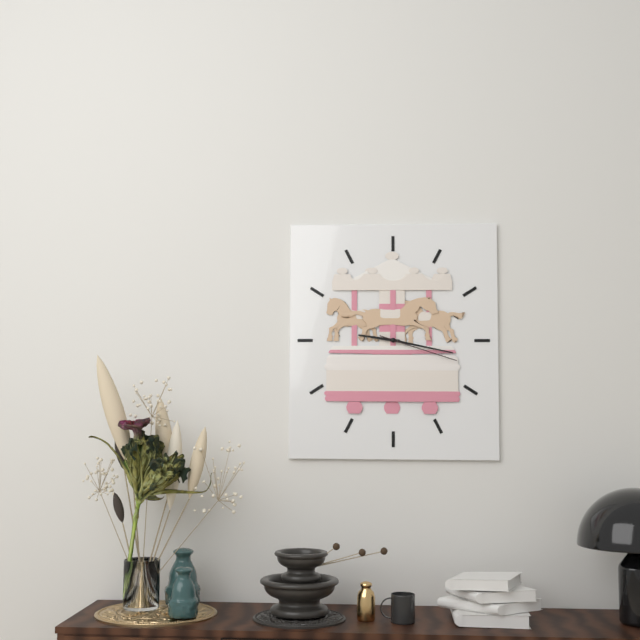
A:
9 h 17 min 18 s
